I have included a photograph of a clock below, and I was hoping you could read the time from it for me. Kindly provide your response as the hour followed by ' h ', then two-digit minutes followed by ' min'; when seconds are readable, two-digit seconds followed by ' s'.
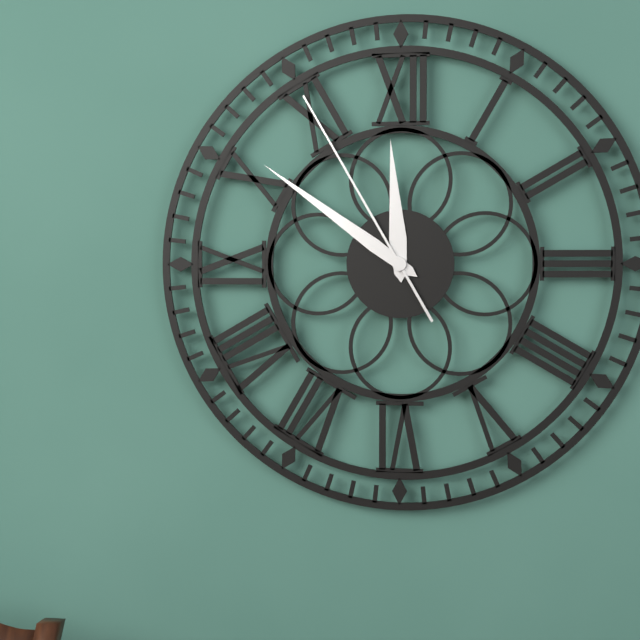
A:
11 h 51 min 55 s
